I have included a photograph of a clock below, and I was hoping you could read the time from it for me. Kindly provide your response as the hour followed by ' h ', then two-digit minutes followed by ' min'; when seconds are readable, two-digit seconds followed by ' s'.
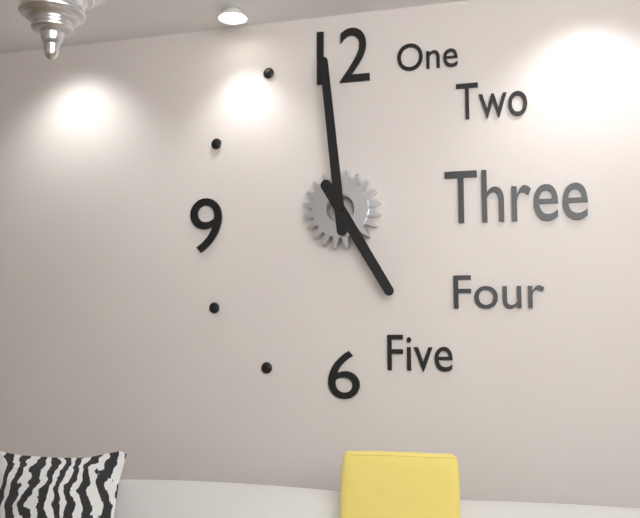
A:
4 h 59 min
